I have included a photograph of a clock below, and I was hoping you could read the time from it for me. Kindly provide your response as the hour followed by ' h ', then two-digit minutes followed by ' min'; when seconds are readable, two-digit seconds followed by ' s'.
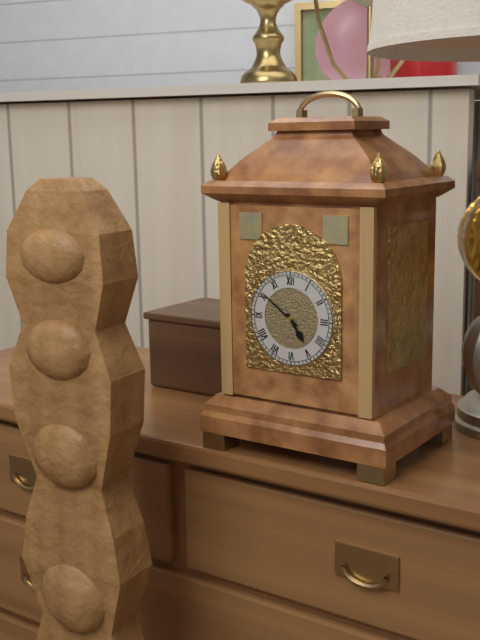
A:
4 h 51 min
